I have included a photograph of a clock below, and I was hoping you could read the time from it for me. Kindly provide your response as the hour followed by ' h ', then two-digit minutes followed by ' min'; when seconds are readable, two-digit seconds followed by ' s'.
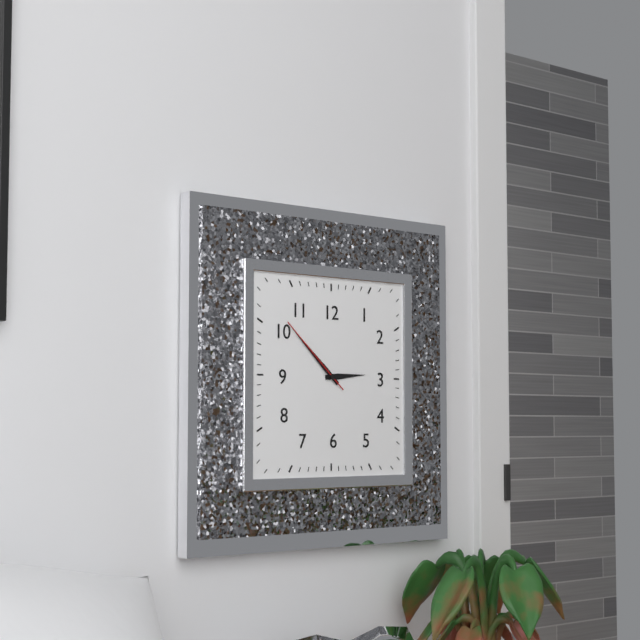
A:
2 h 52 min 52 s
